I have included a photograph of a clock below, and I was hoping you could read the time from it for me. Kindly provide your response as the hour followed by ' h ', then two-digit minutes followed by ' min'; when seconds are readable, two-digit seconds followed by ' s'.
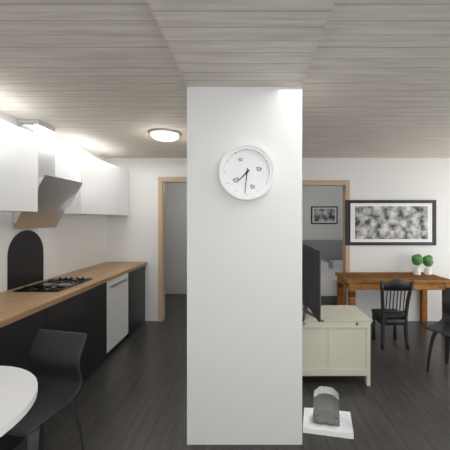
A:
7 h 31 min
